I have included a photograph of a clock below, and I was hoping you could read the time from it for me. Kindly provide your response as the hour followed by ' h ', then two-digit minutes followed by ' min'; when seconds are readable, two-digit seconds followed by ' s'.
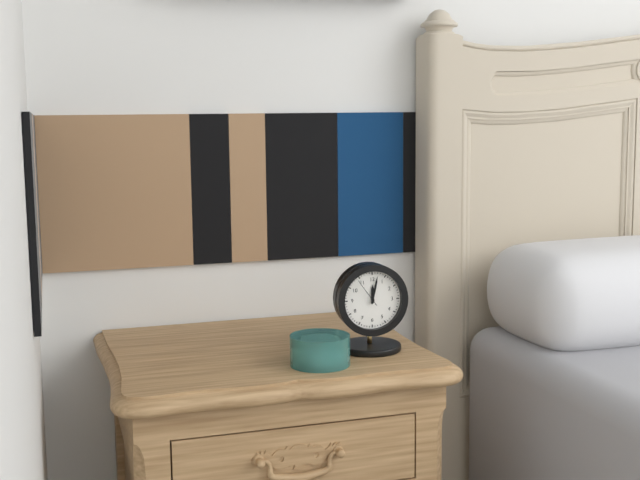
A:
12 h 02 min
